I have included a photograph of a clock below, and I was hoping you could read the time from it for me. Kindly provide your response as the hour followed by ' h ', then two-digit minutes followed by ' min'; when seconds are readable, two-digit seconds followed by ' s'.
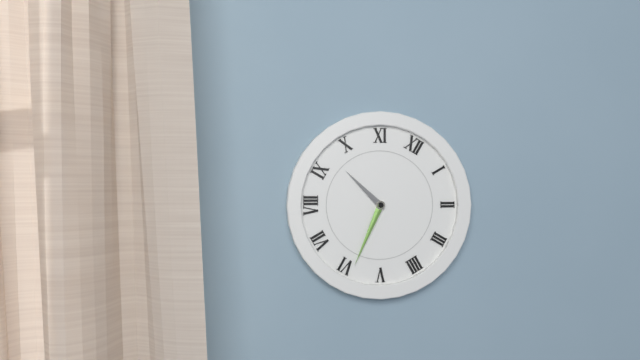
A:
9 h 29 min
